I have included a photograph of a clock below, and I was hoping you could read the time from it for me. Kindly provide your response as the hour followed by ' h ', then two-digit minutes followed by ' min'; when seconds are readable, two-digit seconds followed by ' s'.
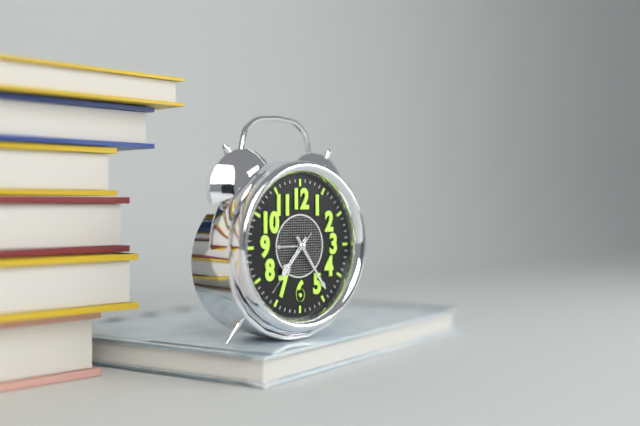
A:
7 h 24 min 37 s
